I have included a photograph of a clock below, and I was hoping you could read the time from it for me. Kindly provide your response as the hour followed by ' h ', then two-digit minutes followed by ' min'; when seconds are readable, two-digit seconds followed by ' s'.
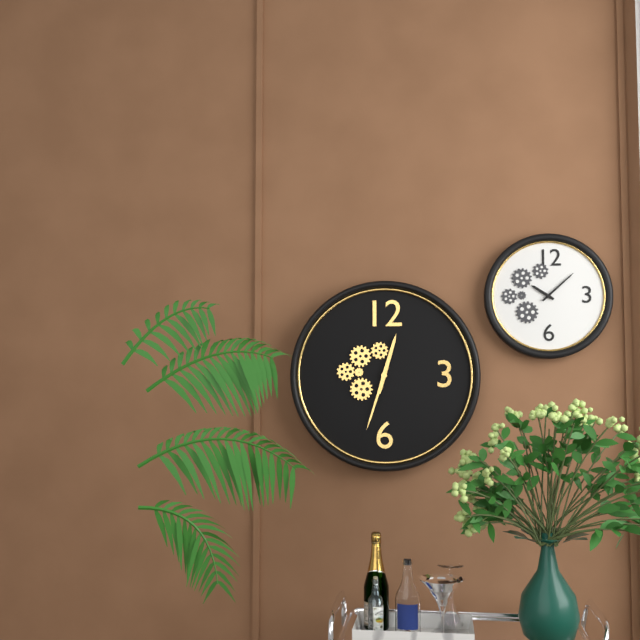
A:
12 h 33 min
